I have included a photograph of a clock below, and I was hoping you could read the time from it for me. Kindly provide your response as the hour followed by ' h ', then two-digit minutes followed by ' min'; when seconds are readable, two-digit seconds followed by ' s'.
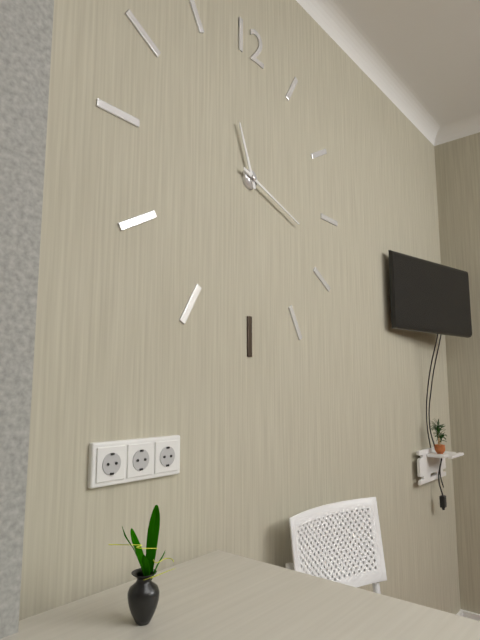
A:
11 h 18 min
